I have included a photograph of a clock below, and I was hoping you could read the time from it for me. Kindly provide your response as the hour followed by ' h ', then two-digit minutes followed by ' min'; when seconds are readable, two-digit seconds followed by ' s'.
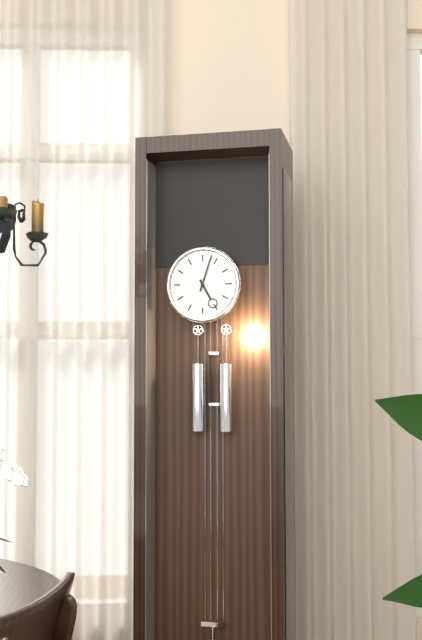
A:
5 h 03 min
